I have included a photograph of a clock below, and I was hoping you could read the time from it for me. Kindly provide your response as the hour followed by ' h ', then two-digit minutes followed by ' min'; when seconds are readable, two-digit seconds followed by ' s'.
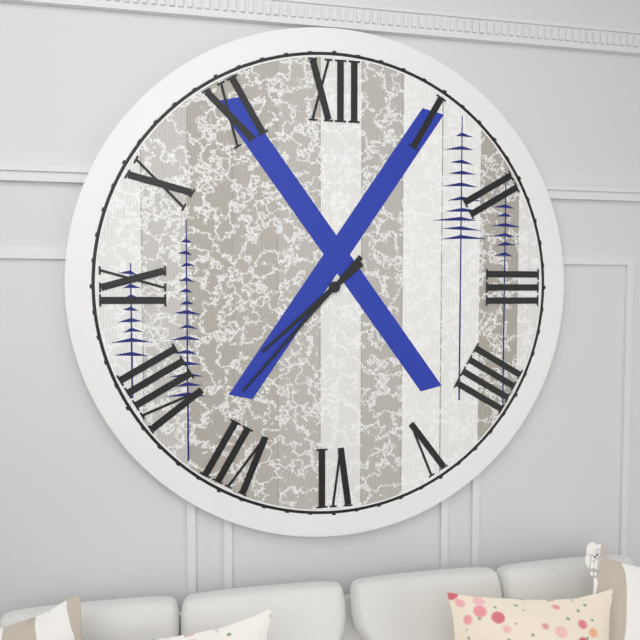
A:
7 h 37 min
